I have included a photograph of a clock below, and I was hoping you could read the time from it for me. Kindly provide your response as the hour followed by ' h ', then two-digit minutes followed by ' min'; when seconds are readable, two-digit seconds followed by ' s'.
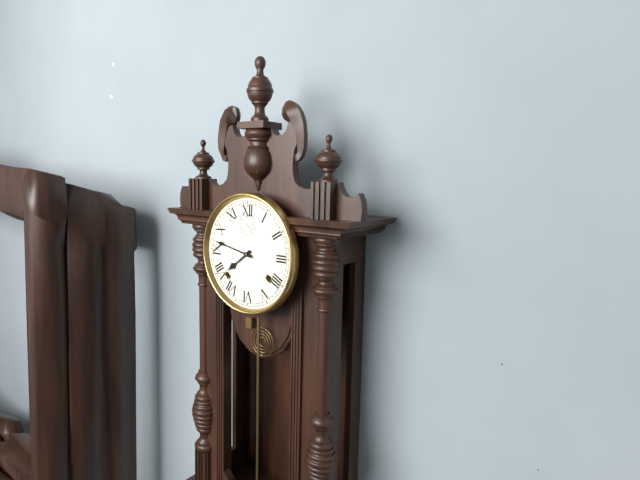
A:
7 h 47 min
